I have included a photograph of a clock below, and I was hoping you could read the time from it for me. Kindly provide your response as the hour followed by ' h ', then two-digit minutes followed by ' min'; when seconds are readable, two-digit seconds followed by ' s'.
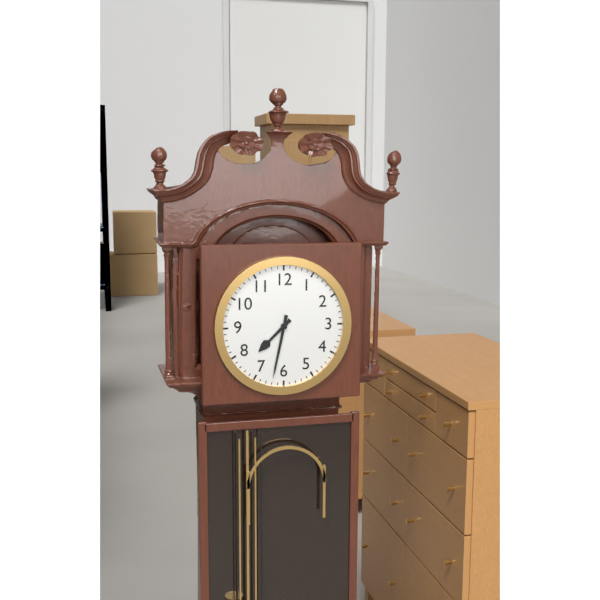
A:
7 h 32 min
